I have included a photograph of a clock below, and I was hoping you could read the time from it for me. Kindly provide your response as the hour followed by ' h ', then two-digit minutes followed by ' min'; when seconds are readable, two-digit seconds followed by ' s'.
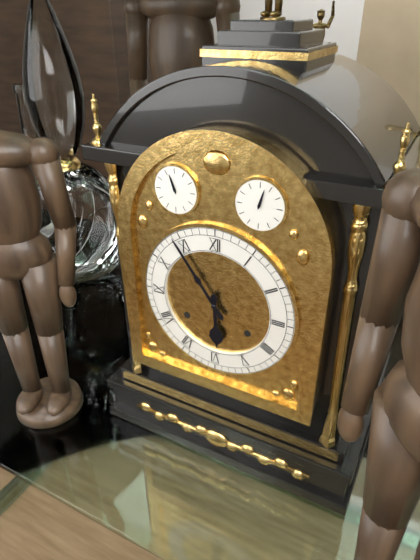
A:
5 h 54 min
